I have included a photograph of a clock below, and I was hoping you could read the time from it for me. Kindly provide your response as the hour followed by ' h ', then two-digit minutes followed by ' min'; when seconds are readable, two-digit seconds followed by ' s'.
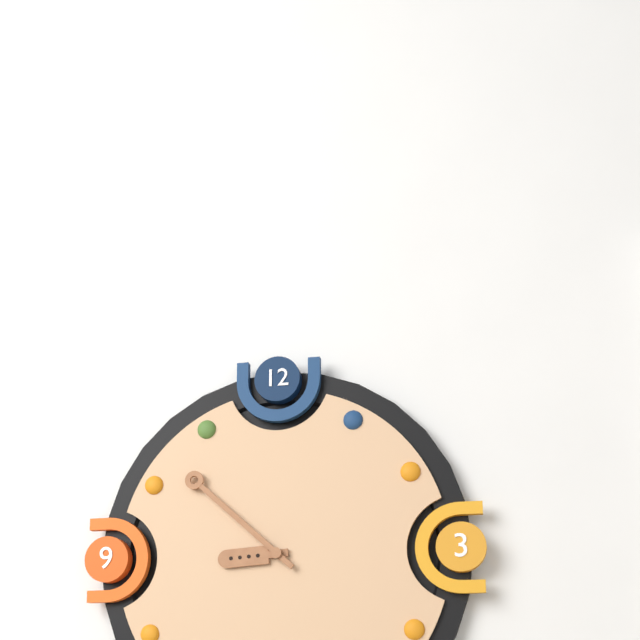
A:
8 h 52 min
